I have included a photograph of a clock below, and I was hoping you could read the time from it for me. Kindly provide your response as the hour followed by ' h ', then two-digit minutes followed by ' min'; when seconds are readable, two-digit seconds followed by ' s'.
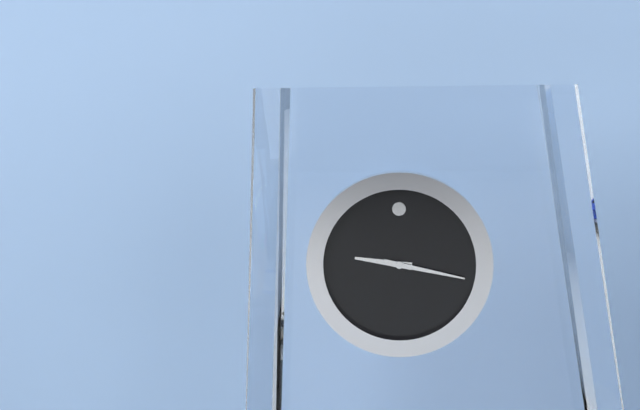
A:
9 h 17 min
